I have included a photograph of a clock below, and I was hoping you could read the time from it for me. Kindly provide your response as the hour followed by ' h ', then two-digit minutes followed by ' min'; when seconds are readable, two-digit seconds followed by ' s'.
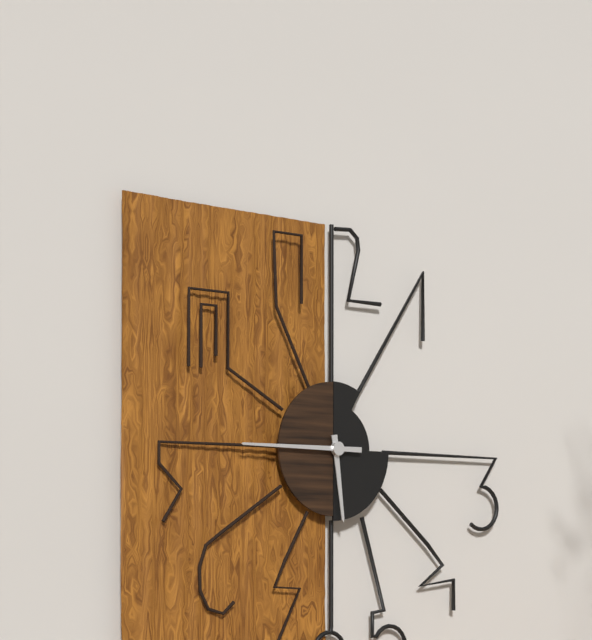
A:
5 h 45 min
